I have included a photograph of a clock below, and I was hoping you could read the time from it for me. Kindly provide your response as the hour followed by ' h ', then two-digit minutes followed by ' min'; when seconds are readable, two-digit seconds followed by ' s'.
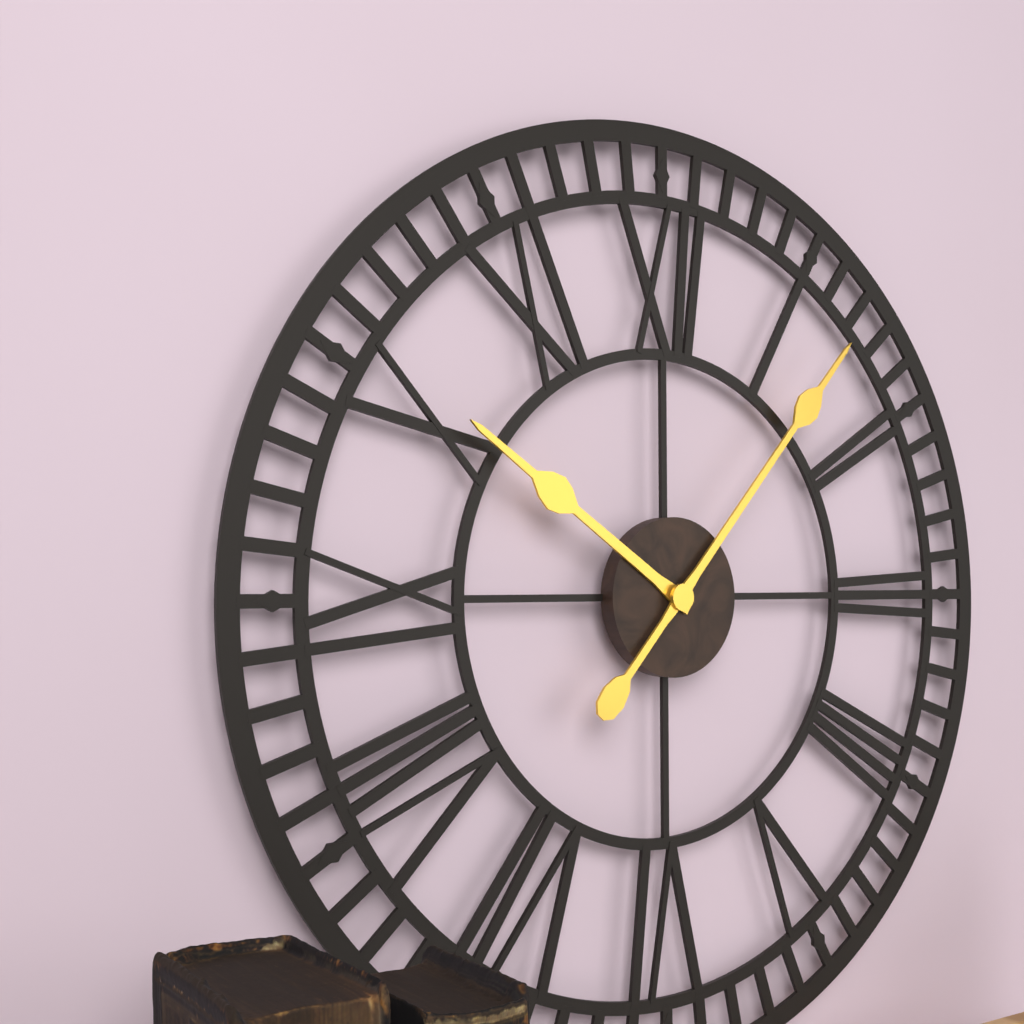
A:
10 h 07 min
